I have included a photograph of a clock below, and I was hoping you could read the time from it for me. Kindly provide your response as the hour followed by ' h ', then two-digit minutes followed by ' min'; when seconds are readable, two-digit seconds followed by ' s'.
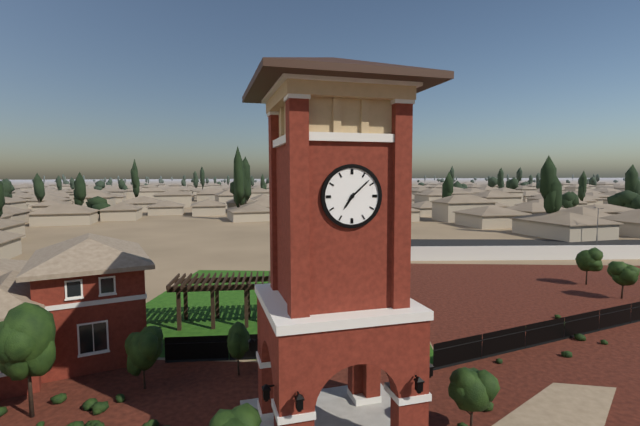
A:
7 h 08 min
